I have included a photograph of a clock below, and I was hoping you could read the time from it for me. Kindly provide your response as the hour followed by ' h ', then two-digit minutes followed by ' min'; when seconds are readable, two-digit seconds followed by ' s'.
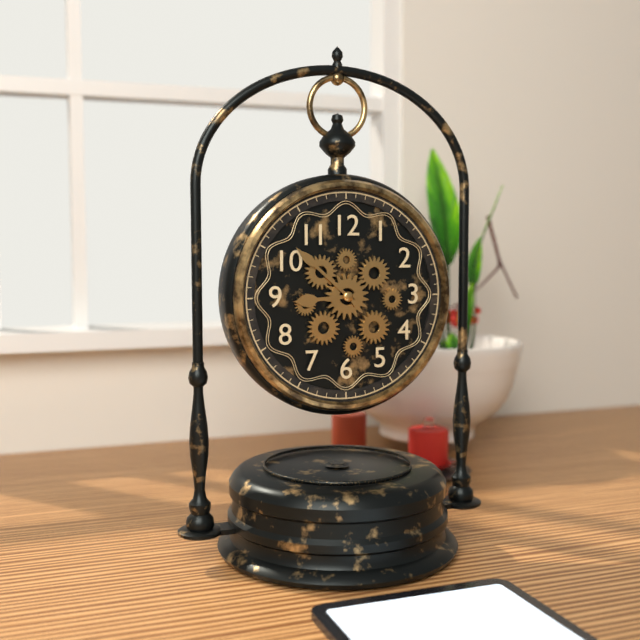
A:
8 h 52 min
